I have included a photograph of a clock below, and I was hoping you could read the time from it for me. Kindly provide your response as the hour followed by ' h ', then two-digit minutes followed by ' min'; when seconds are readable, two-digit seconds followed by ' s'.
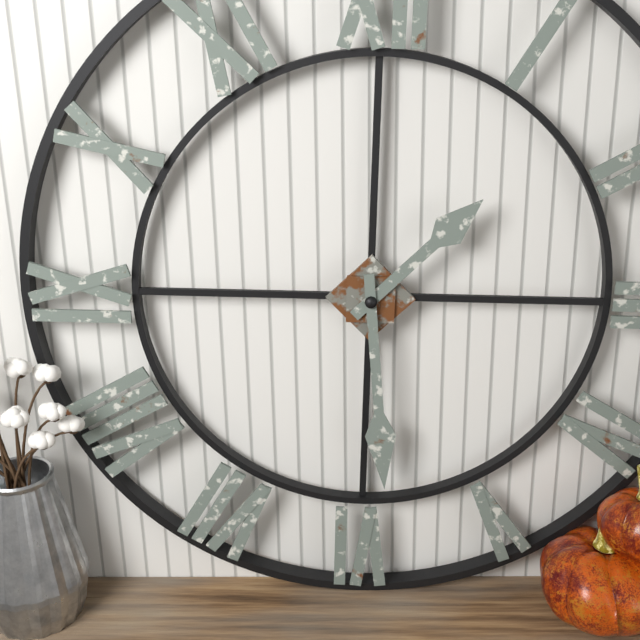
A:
1 h 29 min
